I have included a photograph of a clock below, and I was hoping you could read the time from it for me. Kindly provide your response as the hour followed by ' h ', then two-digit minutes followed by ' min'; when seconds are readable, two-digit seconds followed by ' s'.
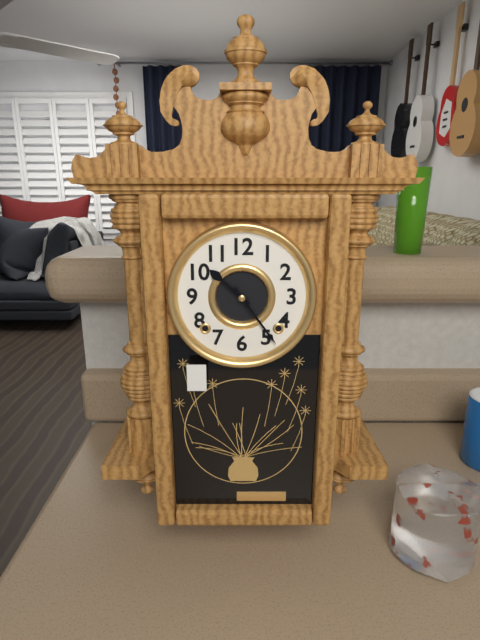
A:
10 h 24 min
